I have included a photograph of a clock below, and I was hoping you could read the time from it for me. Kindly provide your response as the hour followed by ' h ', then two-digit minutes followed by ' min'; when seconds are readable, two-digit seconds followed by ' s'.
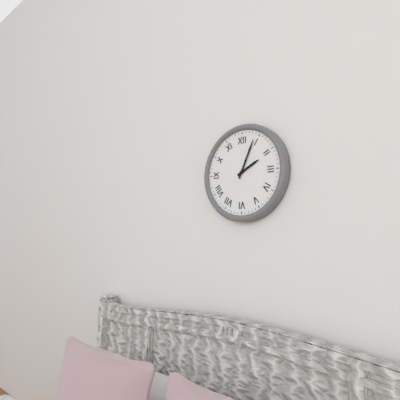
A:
2 h 04 min
